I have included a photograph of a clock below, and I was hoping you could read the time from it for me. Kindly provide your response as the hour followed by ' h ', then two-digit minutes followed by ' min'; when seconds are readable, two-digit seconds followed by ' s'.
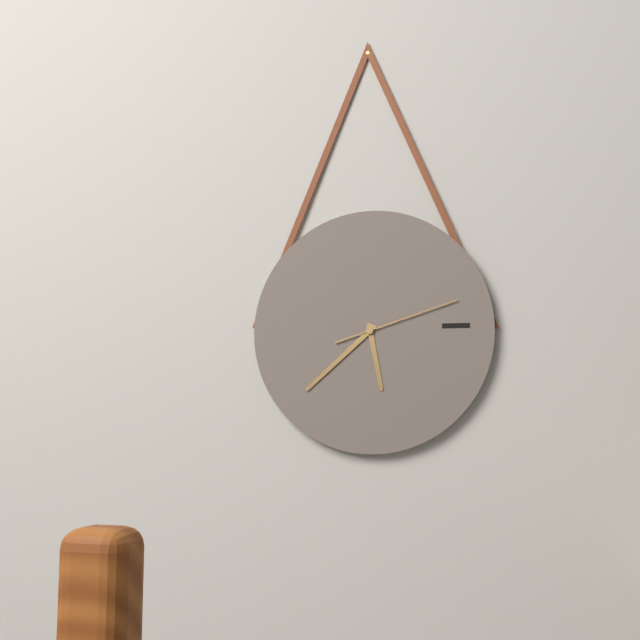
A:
5 h 38 min 12 s
